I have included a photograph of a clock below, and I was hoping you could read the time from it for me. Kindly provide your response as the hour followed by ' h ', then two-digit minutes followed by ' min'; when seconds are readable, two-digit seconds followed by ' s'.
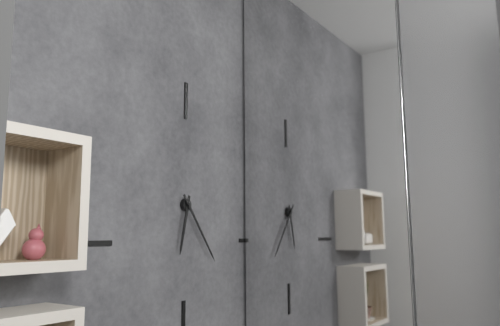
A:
6 h 24 min
